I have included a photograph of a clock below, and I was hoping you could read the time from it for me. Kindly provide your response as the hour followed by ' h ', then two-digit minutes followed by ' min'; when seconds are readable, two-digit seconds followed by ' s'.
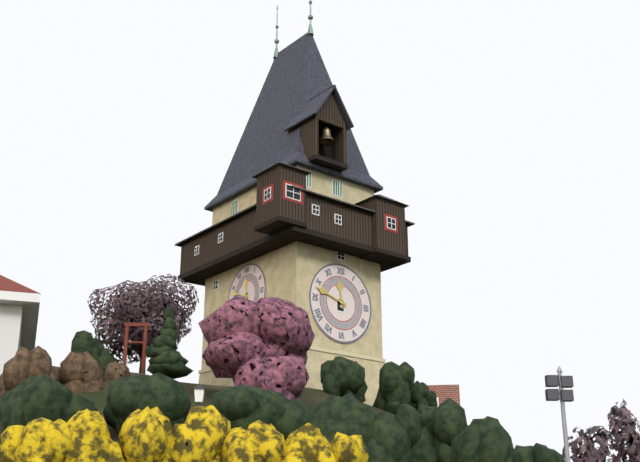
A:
11 h 48 min
